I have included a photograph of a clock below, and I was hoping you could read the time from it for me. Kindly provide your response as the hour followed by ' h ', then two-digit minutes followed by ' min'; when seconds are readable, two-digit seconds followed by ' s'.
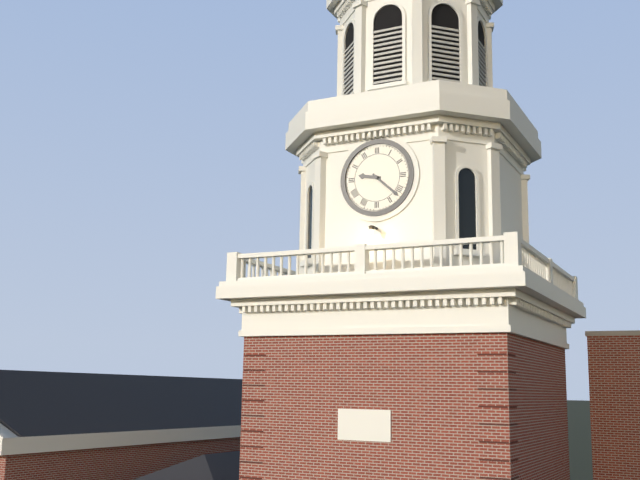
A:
9 h 22 min
